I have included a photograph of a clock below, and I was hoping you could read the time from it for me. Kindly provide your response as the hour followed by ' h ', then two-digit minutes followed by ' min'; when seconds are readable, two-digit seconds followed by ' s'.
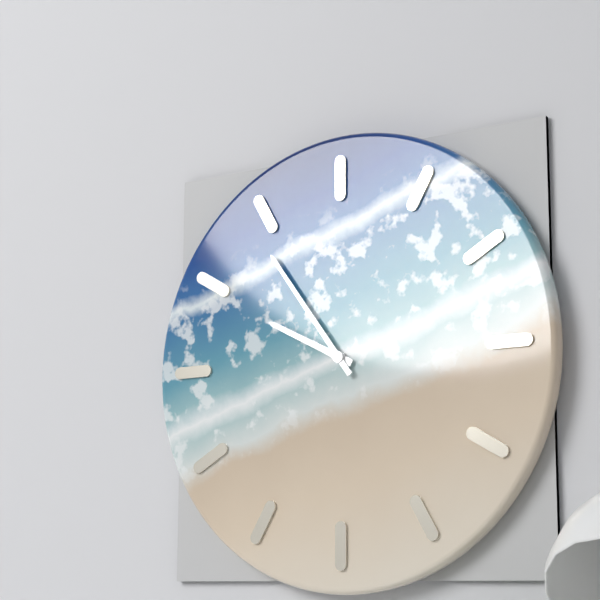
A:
9 h 54 min
